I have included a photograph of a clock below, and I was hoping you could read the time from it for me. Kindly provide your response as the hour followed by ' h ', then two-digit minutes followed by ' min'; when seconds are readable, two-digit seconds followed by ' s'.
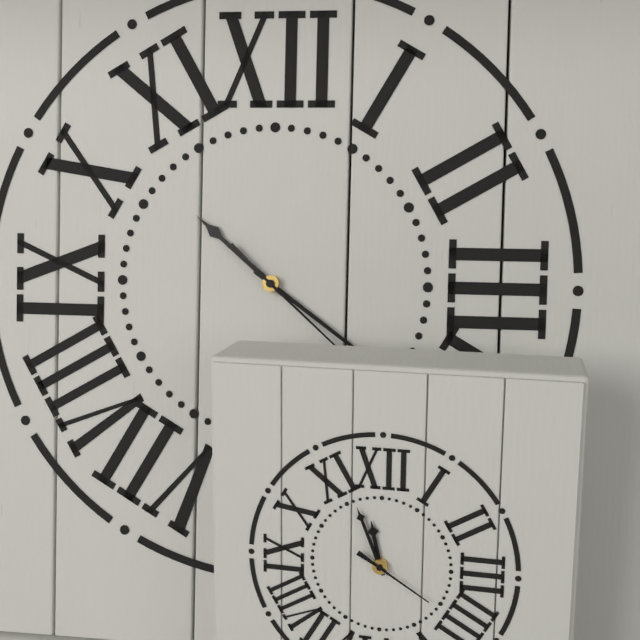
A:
10 h 21 min
